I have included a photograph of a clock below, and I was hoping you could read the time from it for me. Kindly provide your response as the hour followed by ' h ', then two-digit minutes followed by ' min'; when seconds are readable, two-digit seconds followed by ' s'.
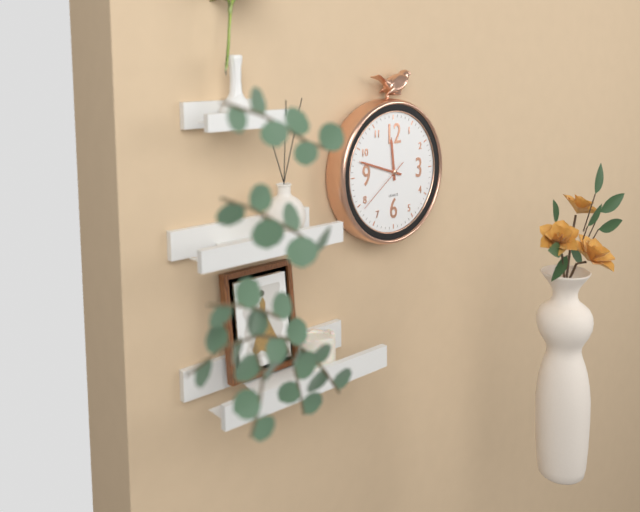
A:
11 h 48 min 39 s
